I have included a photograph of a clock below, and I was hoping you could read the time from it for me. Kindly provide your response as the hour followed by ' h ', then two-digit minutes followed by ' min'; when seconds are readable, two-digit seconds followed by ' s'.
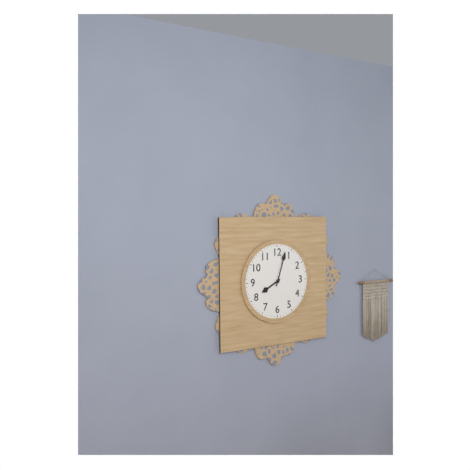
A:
8 h 03 min
